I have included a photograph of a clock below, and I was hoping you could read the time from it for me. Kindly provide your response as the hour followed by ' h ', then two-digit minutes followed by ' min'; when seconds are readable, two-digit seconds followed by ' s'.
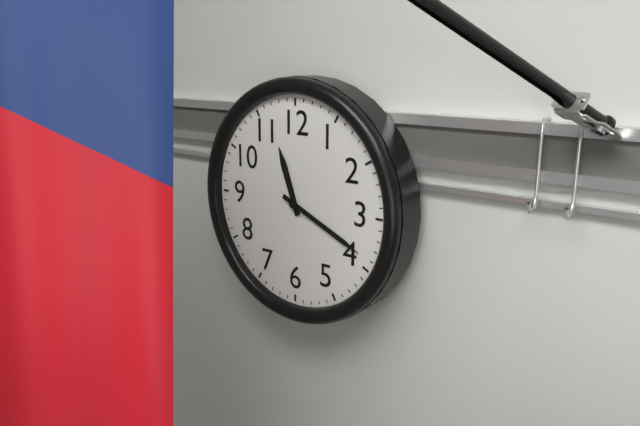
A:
11 h 19 min
